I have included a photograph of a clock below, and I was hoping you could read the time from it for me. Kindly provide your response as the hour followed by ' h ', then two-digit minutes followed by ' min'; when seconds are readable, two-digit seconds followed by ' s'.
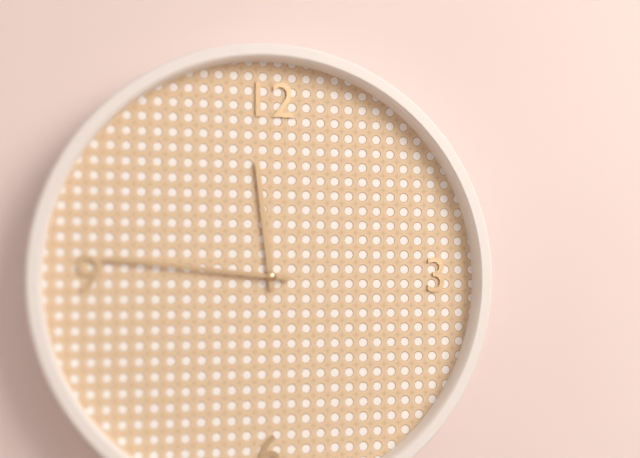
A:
11 h 46 min
